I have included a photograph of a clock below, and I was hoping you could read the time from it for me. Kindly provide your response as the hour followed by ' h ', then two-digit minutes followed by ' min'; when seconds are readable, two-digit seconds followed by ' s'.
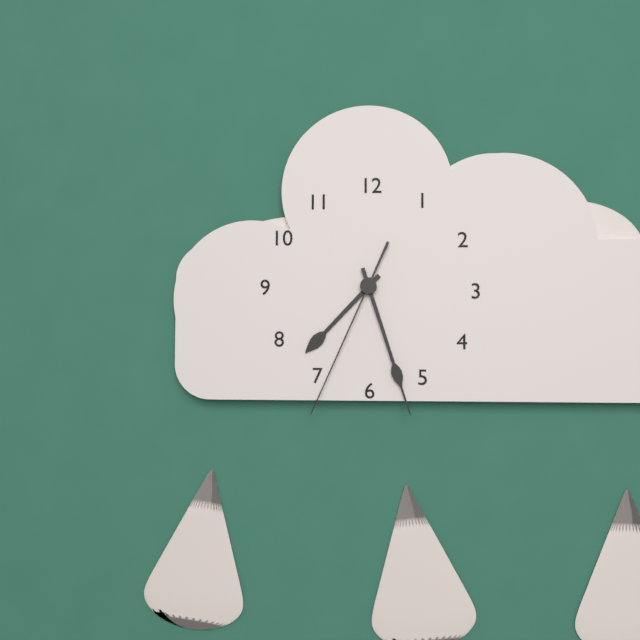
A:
7 h 27 min 34 s
